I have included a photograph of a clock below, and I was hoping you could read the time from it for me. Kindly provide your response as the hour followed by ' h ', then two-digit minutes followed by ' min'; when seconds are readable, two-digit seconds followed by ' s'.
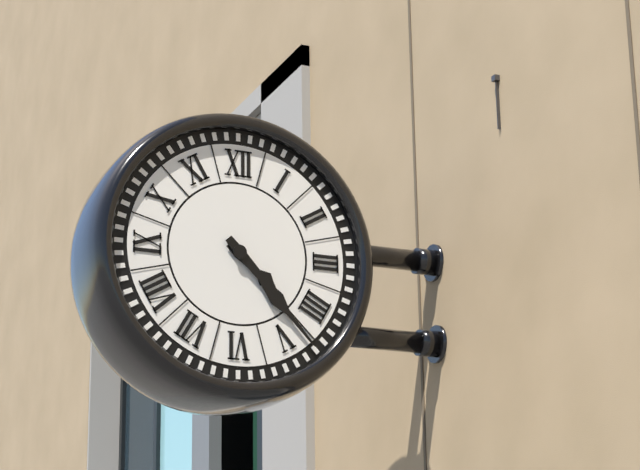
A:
4 h 23 min
